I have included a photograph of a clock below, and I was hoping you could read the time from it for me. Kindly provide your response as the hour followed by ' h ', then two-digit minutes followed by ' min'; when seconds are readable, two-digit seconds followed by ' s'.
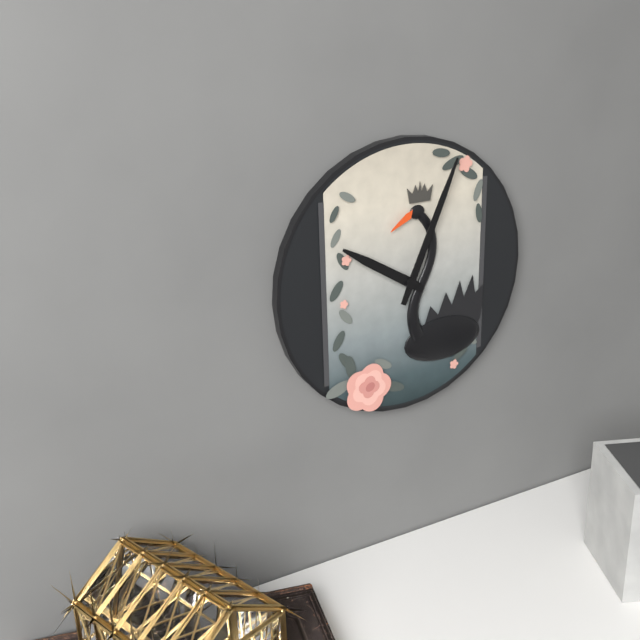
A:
10 h 04 min
